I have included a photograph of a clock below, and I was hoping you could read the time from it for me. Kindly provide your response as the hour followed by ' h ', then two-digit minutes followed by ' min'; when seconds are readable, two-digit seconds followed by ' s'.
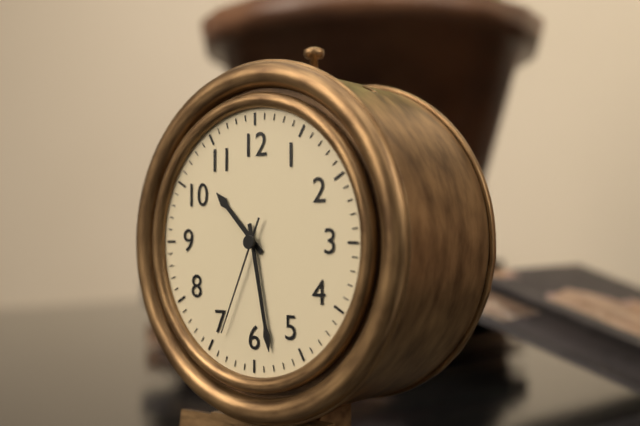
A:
10 h 28 min 34 s
